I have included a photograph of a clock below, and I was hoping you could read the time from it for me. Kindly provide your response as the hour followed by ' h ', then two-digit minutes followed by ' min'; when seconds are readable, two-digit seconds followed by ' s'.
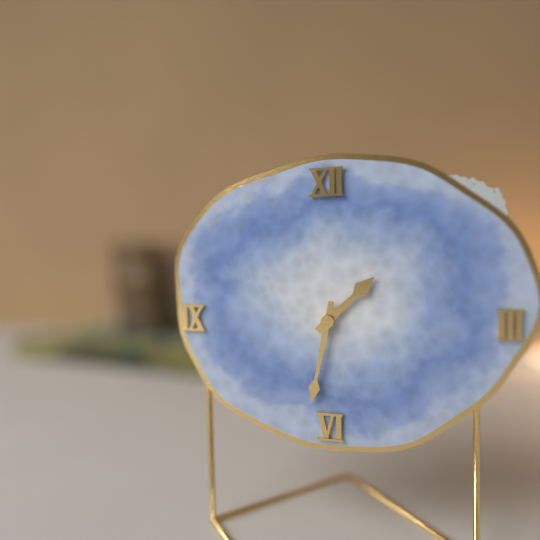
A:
1 h 32 min
